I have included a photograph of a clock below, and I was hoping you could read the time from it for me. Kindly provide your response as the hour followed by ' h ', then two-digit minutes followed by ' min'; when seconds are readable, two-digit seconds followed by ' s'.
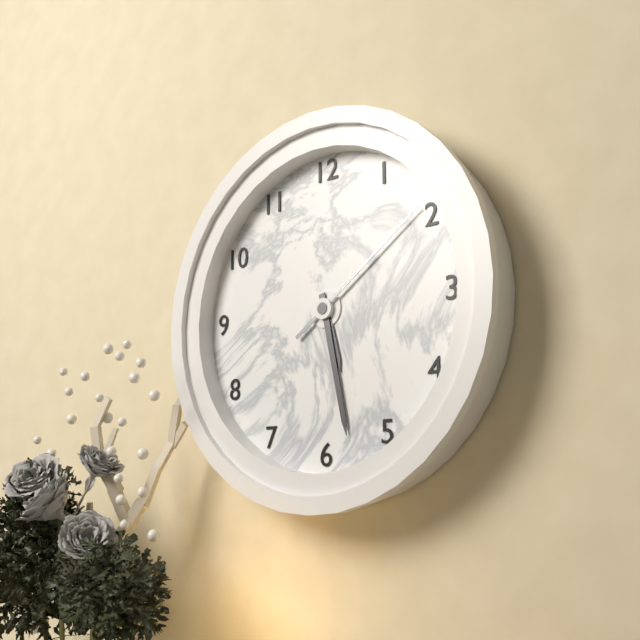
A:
5 h 28 min 09 s
